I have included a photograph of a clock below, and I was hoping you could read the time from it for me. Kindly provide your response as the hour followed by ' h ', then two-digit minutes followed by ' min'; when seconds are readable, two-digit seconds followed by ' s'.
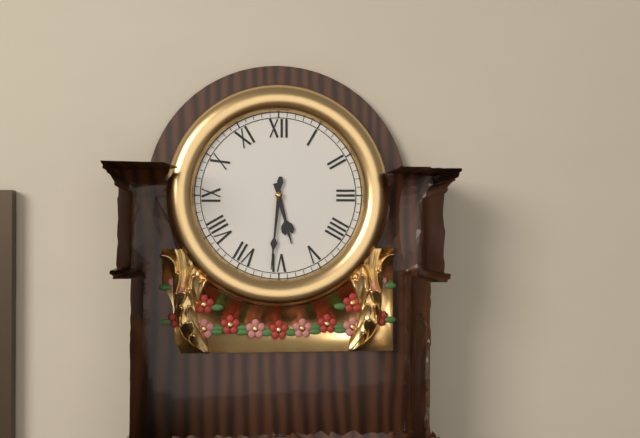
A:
5 h 31 min
